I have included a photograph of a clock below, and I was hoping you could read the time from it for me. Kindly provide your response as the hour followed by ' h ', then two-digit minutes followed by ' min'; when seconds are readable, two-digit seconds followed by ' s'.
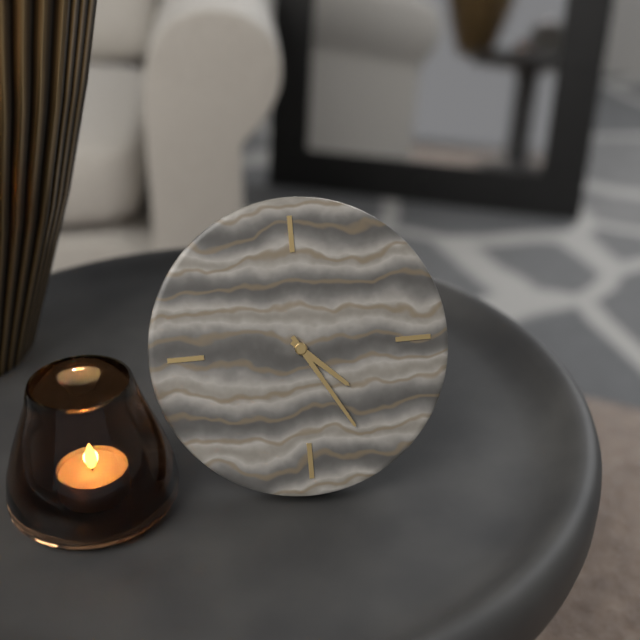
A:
4 h 25 min
